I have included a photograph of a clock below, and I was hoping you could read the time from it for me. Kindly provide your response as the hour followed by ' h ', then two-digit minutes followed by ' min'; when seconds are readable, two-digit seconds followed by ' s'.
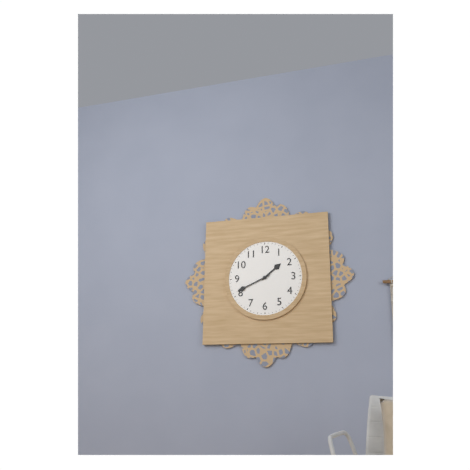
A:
1 h 41 min
